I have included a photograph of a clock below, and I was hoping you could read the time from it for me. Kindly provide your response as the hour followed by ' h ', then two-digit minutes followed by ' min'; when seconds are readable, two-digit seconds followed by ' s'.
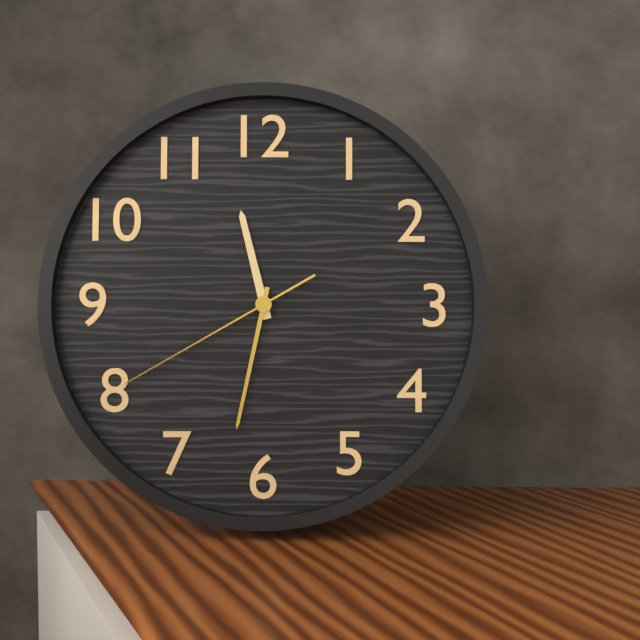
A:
11 h 32 min 40 s
